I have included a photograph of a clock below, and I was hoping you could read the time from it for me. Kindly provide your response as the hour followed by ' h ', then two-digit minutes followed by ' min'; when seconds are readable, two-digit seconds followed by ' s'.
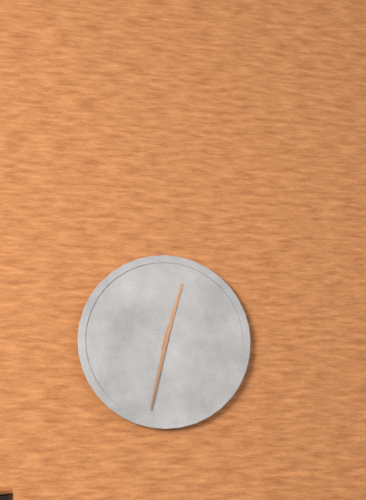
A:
12 h 32 min
